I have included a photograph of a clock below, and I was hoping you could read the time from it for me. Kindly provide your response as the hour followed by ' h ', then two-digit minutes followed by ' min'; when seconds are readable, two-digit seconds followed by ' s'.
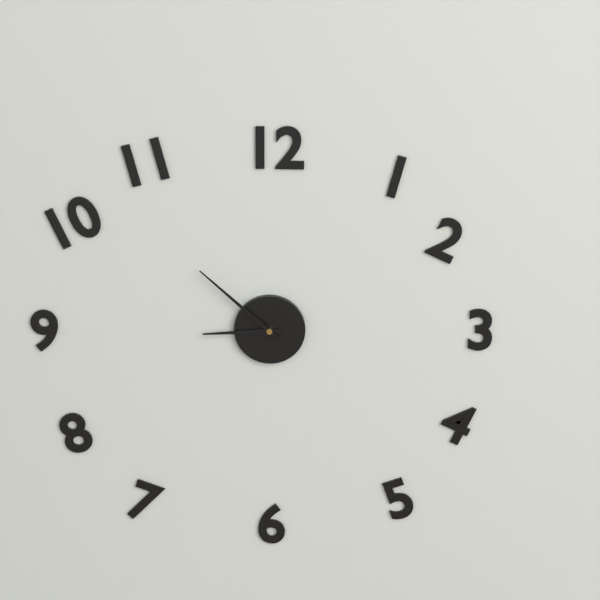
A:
8 h 52 min
